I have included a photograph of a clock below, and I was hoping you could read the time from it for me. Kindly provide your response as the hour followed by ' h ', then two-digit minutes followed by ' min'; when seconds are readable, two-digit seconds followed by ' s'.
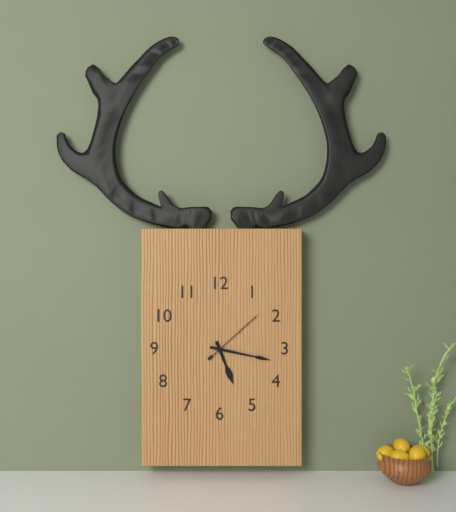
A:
5 h 17 min 08 s
